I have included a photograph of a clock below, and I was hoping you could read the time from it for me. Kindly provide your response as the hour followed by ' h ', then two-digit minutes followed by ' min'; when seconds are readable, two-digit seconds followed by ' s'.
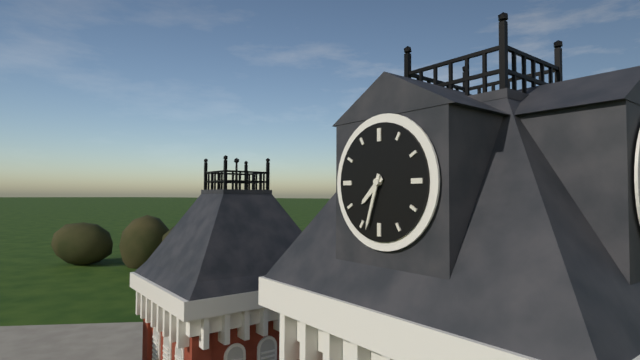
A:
7 h 33 min
